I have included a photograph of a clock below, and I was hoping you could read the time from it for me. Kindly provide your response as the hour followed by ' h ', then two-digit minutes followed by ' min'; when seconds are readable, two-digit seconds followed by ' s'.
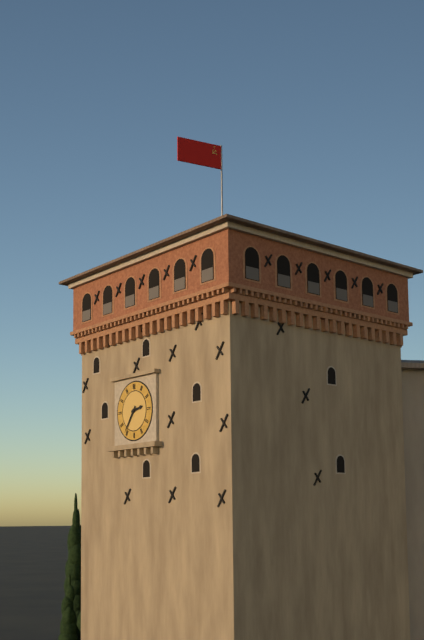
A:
2 h 36 min
